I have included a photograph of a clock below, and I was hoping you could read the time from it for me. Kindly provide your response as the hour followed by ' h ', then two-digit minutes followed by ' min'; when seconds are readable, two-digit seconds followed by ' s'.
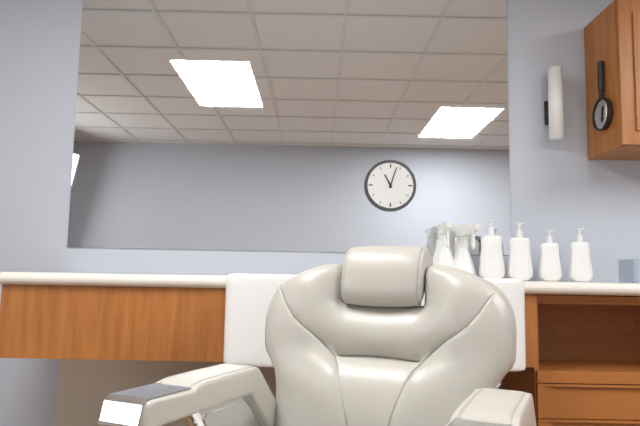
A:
11 h 03 min
